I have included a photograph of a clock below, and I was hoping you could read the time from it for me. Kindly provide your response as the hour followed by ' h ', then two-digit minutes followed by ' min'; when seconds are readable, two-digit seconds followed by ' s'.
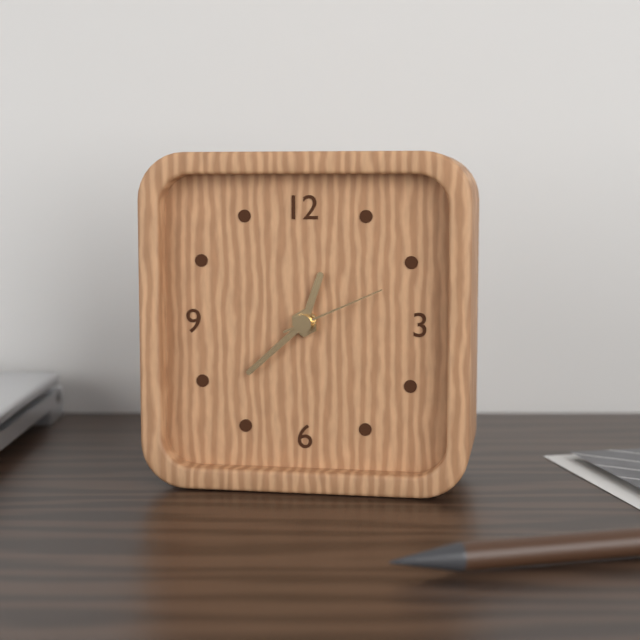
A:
12 h 38 min 11 s
